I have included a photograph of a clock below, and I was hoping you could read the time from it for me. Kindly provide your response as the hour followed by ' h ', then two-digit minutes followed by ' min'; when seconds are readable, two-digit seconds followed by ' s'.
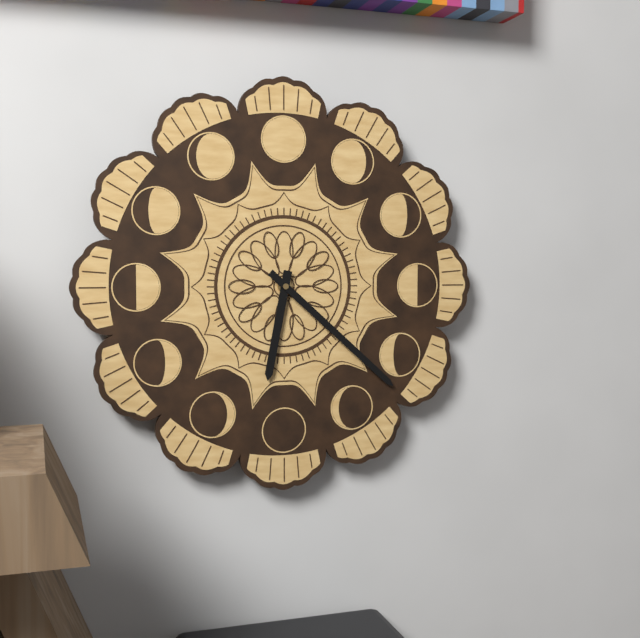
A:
6 h 22 min
